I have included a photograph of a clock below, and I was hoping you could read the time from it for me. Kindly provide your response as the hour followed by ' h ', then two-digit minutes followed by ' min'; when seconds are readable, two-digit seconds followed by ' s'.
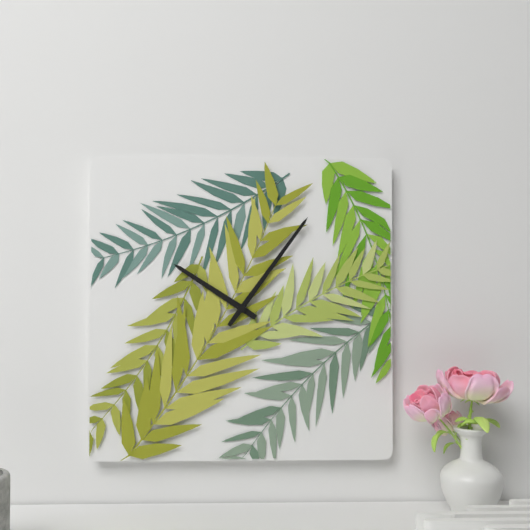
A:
10 h 06 min
